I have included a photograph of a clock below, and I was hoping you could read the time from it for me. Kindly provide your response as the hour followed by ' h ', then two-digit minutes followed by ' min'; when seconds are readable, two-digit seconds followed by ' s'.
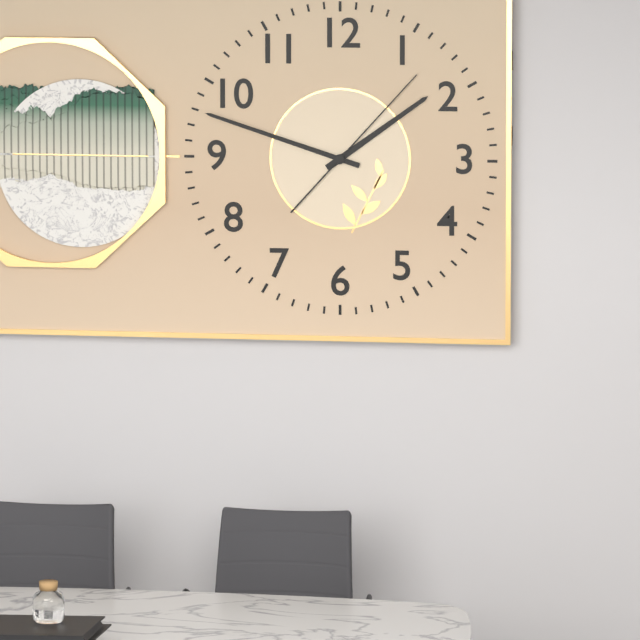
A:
1 h 48 min 07 s
